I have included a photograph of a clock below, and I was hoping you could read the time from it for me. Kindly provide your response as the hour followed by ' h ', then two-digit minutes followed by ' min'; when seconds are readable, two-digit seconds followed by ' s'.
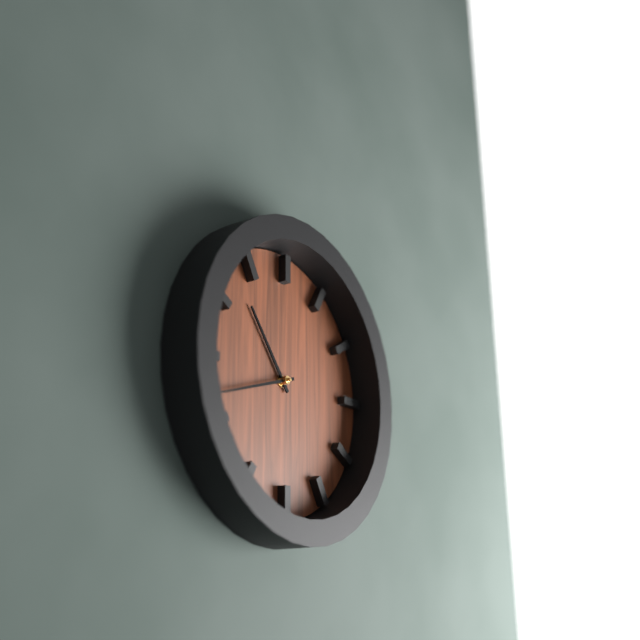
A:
10 h 42 min
